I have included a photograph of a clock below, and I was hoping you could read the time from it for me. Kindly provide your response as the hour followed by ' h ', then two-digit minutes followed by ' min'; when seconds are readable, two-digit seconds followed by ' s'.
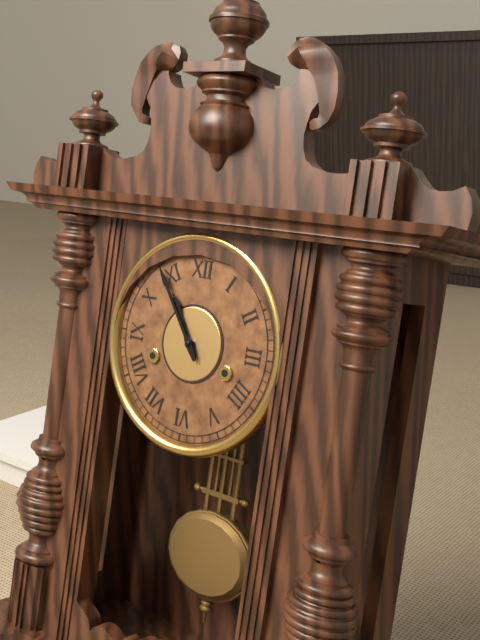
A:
10 h 54 min
